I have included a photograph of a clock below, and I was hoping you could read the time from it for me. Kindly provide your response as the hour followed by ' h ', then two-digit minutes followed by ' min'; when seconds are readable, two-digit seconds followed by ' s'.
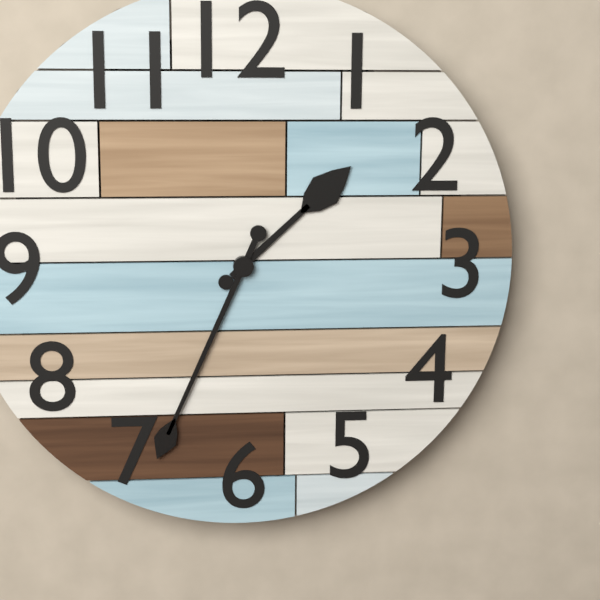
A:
1 h 34 min
